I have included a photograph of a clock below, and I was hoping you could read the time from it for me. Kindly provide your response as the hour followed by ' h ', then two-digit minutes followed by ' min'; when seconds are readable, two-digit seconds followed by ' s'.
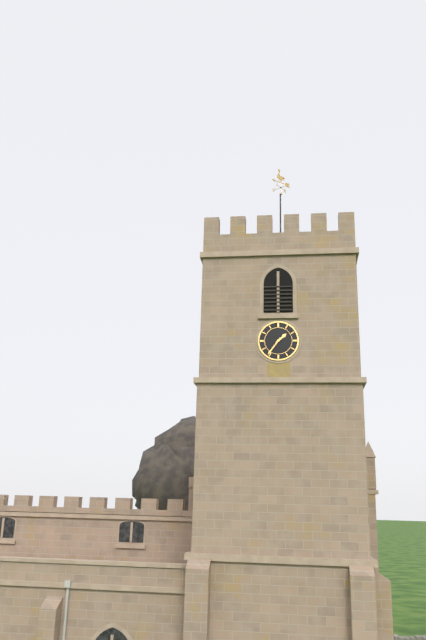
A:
1 h 36 min
